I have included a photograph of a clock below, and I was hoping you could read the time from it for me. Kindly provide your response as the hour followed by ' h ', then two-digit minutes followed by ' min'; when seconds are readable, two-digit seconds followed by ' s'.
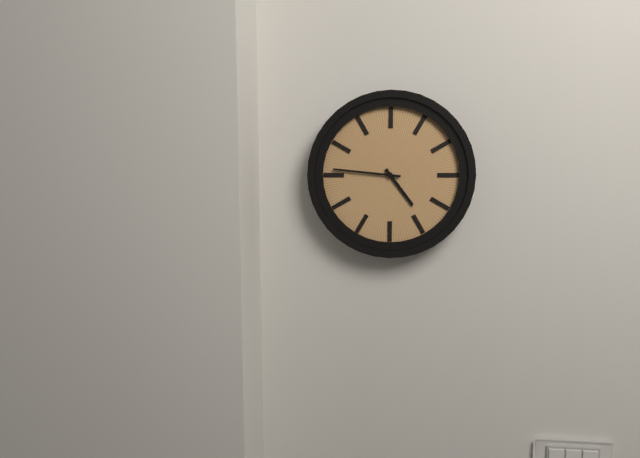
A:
4 h 46 min
